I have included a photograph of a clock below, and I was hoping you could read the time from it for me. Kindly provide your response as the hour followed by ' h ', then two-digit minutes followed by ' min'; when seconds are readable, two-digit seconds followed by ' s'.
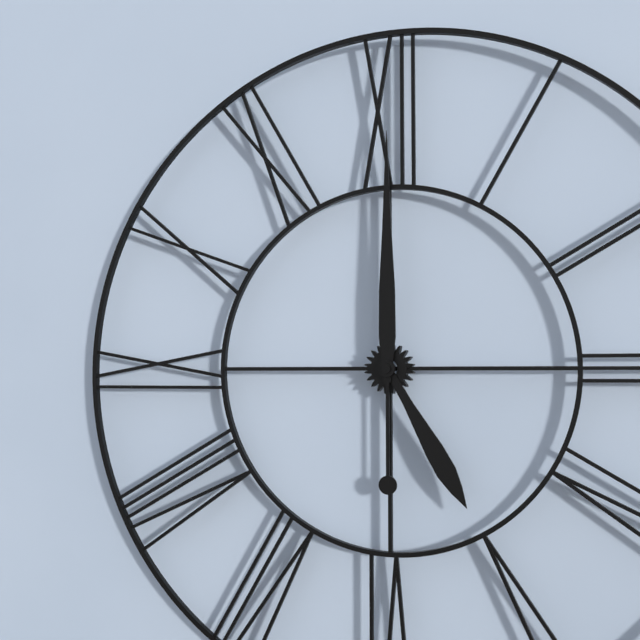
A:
5 h 00 min
